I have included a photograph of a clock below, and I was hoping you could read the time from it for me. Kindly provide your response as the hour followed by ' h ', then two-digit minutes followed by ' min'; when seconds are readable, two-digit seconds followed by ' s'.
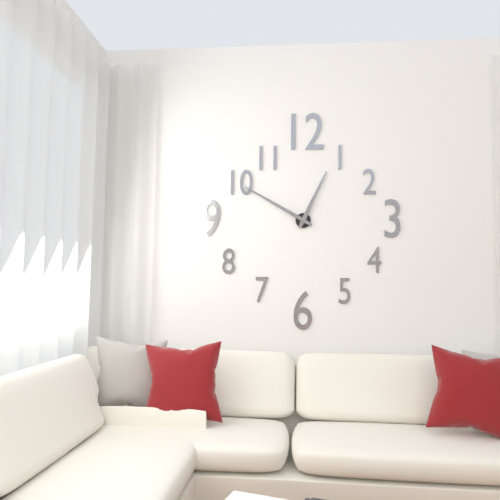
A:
12 h 50 min
